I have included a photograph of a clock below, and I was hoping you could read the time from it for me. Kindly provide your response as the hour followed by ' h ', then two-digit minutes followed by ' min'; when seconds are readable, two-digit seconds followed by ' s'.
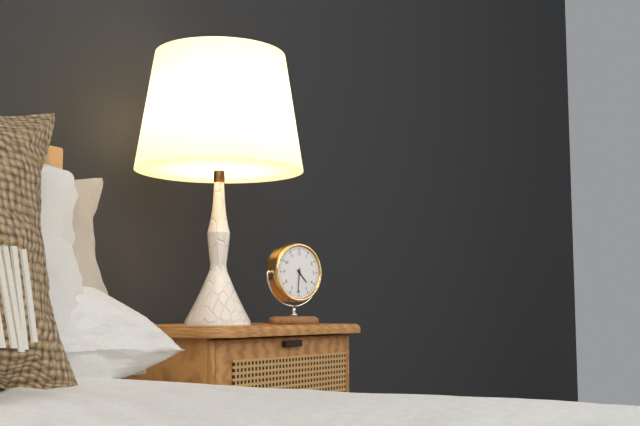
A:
4 h 31 min
